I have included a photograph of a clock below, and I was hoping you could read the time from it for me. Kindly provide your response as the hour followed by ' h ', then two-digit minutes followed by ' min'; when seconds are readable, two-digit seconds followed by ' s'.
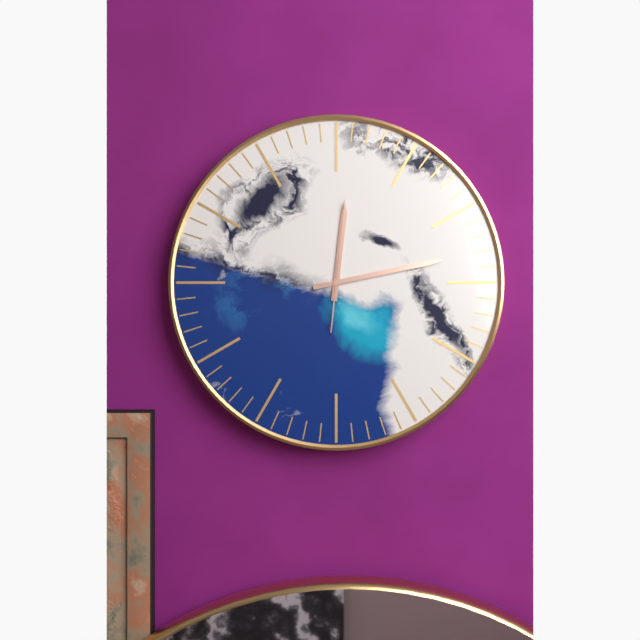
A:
12 h 13 min 01 s
